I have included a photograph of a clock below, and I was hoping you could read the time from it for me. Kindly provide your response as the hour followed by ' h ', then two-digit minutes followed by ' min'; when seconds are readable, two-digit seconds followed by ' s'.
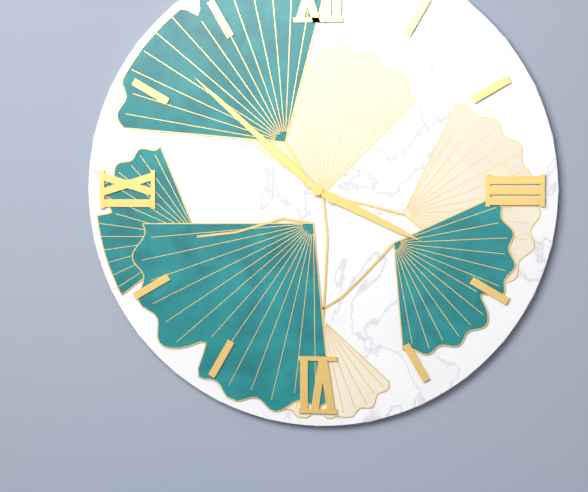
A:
3 h 52 min
